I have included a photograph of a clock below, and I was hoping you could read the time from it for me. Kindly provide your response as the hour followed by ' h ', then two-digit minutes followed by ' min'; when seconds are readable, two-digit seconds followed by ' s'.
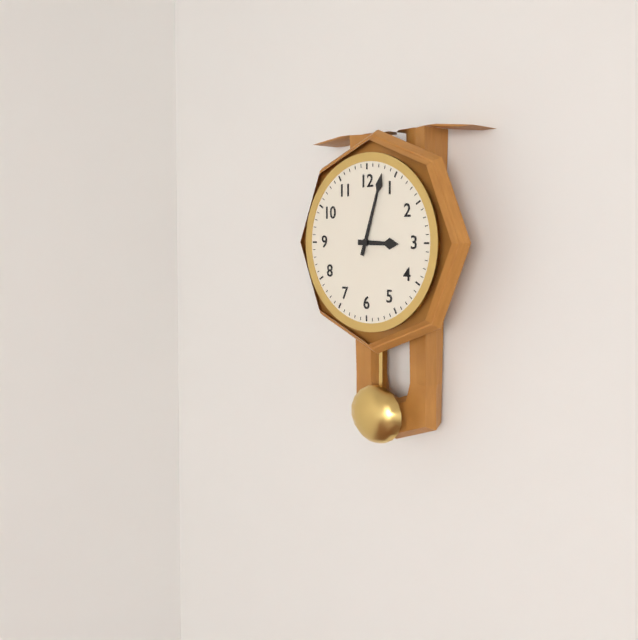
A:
3 h 03 min
